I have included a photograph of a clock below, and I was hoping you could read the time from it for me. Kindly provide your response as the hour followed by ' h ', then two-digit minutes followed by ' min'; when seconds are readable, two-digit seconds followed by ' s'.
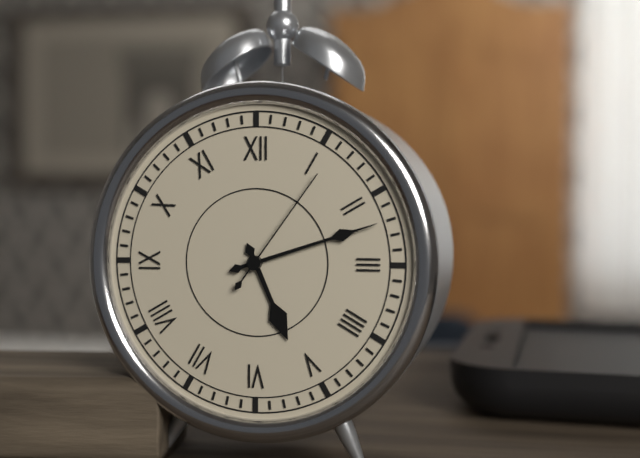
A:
5 h 12 min 06 s
